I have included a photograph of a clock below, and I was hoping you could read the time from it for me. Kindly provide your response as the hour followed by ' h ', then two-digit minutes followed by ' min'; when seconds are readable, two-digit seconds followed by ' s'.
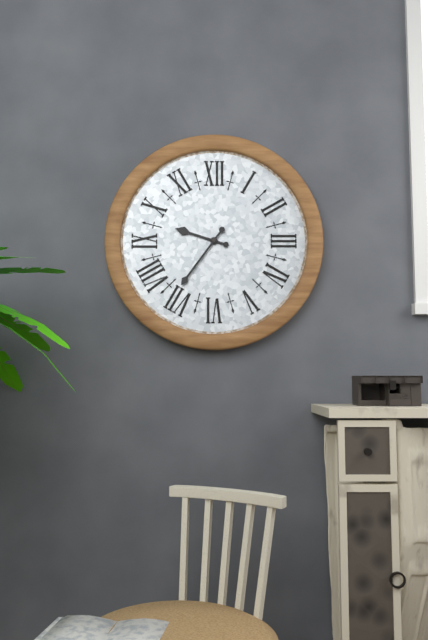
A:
9 h 36 min
